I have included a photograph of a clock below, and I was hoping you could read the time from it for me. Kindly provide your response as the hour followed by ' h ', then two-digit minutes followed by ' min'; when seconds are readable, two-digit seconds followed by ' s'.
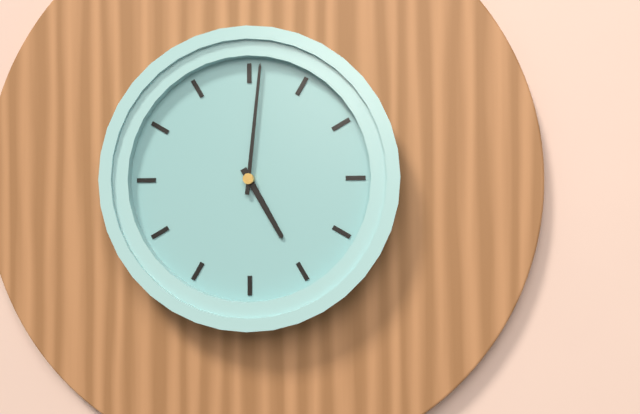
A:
5 h 01 min
